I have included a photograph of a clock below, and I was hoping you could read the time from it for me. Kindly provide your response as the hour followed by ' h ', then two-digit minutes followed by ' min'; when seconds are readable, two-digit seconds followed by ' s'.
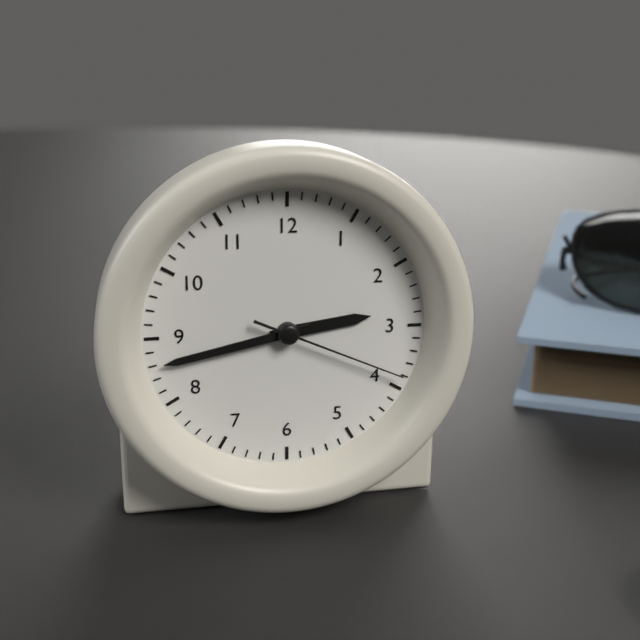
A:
2 h 43 min 19 s
